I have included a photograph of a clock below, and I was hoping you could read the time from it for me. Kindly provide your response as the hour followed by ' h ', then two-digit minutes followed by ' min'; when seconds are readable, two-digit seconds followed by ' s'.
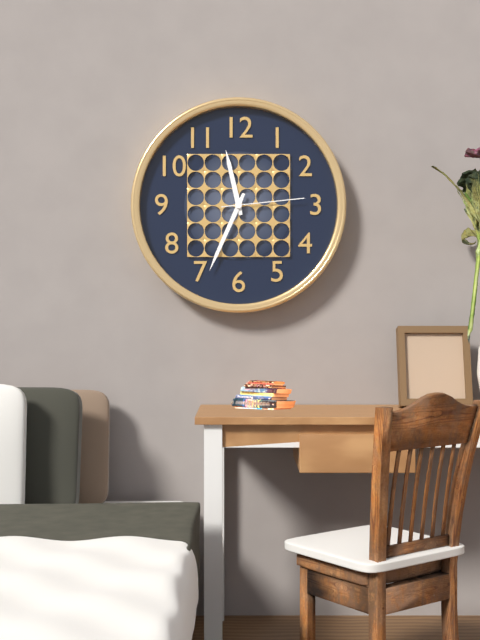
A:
11 h 34 min 14 s
